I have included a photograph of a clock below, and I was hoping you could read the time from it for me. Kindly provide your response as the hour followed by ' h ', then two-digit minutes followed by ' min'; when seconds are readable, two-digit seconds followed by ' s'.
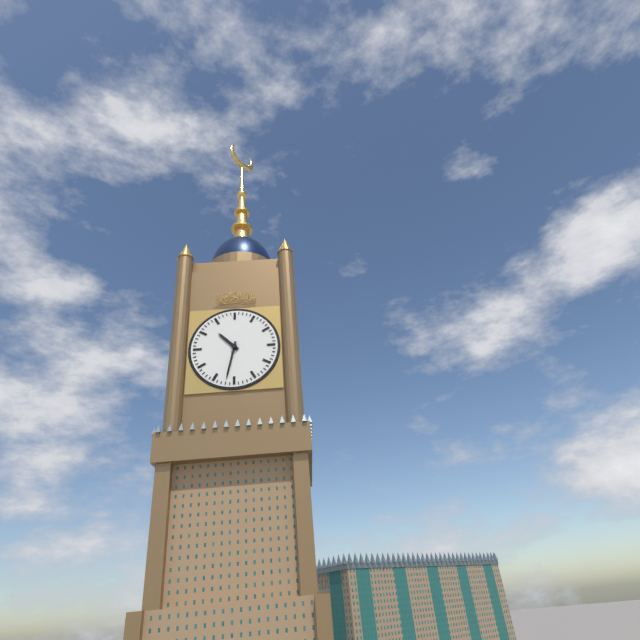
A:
10 h 32 min
